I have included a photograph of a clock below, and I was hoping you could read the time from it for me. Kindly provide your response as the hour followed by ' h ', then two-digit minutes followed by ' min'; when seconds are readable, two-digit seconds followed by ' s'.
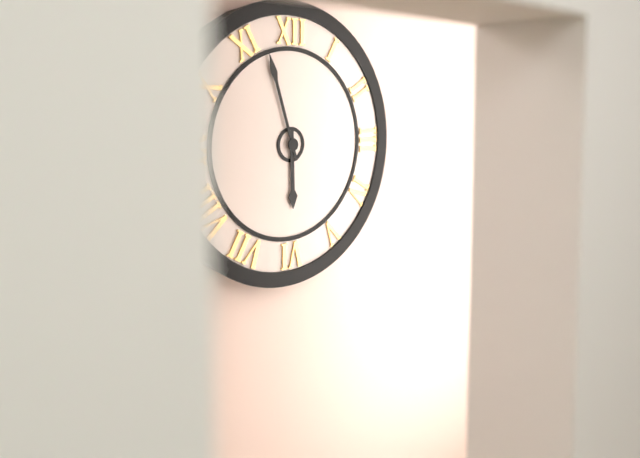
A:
5 h 57 min
